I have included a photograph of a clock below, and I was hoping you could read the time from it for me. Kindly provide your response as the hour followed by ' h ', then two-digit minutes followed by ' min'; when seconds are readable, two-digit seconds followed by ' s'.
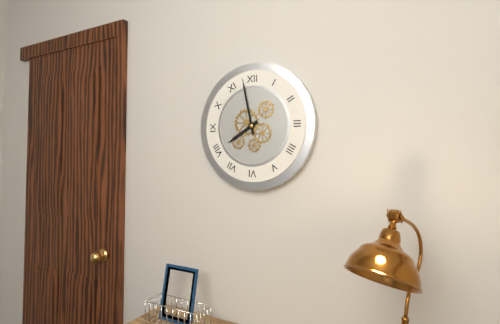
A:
7 h 58 min
